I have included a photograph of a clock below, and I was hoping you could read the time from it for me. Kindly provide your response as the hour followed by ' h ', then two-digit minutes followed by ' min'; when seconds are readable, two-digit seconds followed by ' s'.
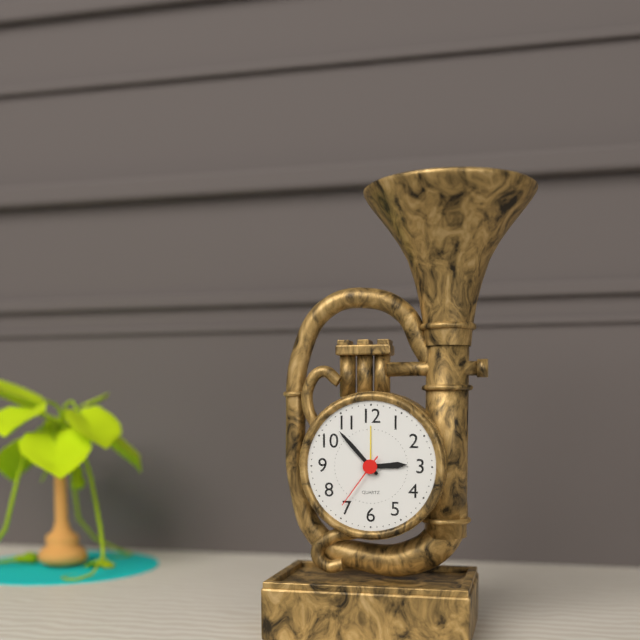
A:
2 h 53 min 36 s
